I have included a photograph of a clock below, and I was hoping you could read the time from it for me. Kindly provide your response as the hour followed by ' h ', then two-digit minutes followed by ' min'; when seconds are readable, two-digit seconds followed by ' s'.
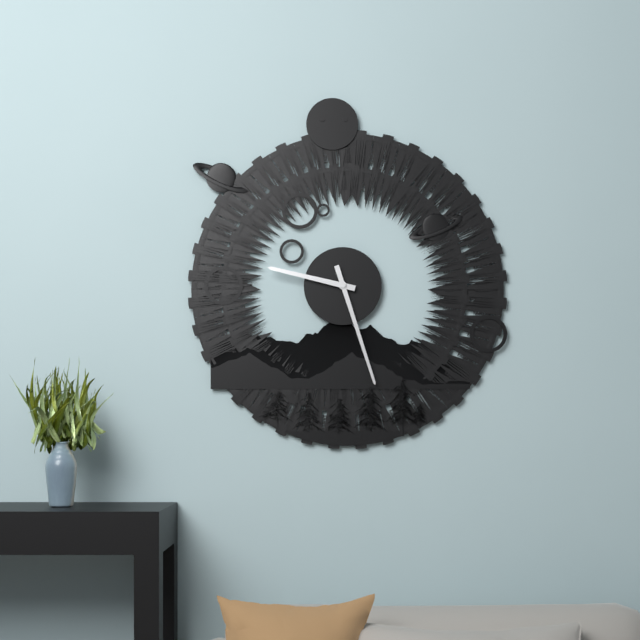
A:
9 h 27 min
